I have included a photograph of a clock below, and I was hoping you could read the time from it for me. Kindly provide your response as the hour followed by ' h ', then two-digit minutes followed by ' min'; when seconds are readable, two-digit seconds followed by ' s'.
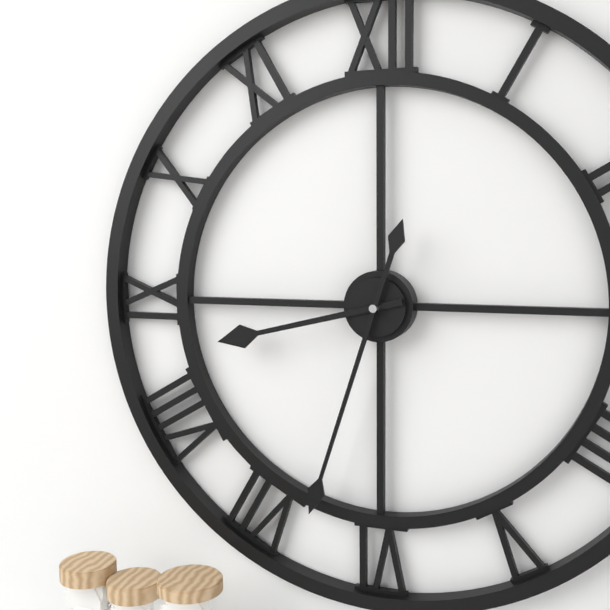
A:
8 h 33 min
